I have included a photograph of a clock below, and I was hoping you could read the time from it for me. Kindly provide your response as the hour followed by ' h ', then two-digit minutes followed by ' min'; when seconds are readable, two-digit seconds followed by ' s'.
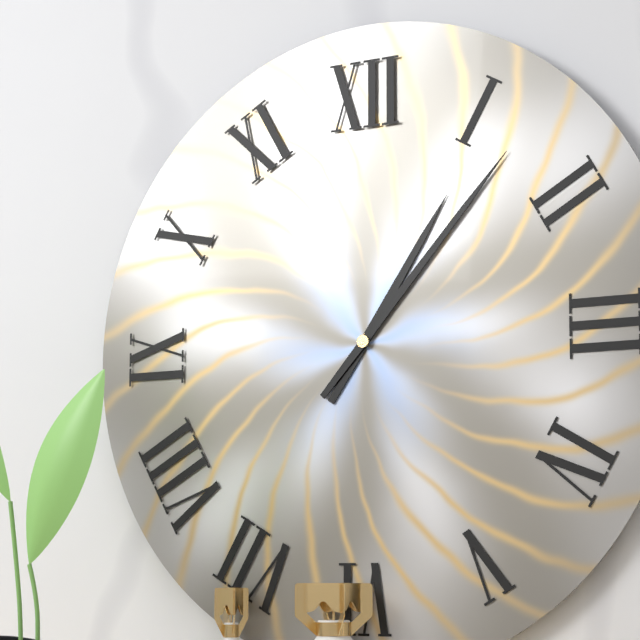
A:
1 h 07 min
